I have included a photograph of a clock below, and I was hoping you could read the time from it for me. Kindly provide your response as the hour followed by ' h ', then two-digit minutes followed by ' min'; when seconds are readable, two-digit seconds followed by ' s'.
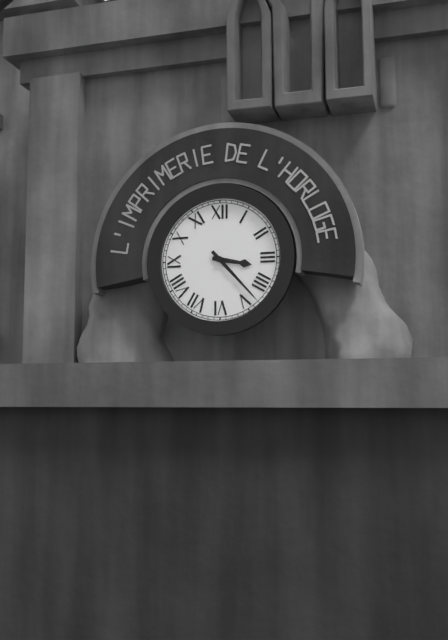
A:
3 h 23 min
